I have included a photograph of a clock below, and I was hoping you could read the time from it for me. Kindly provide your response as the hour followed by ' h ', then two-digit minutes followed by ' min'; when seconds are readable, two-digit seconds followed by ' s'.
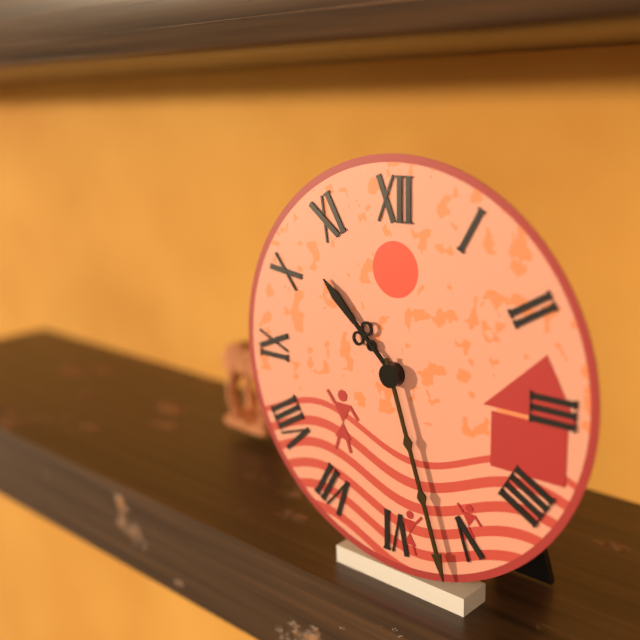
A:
10 h 27 min
